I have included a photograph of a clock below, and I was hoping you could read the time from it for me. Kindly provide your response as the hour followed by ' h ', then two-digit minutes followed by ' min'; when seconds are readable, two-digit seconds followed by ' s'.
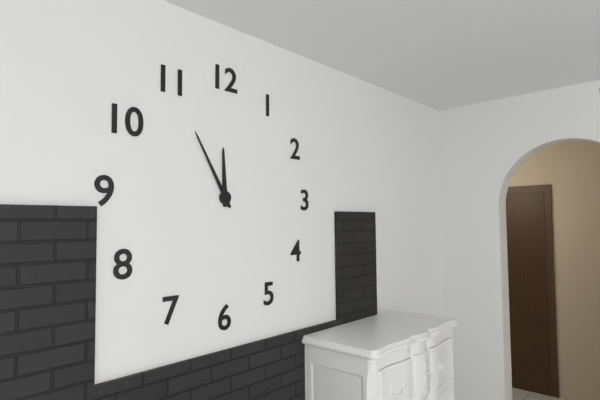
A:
11 h 55 min
